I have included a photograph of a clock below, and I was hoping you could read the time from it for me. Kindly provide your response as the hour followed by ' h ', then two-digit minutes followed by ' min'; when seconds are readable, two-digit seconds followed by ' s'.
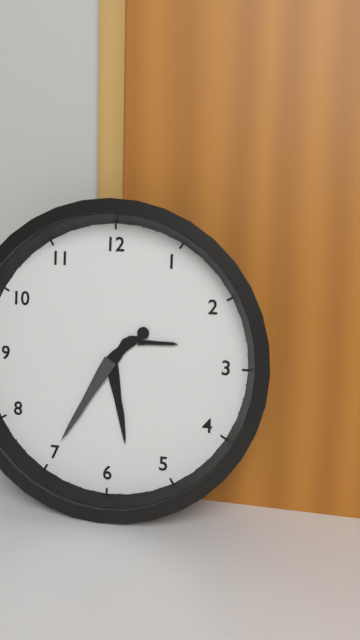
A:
5 h 35 min
